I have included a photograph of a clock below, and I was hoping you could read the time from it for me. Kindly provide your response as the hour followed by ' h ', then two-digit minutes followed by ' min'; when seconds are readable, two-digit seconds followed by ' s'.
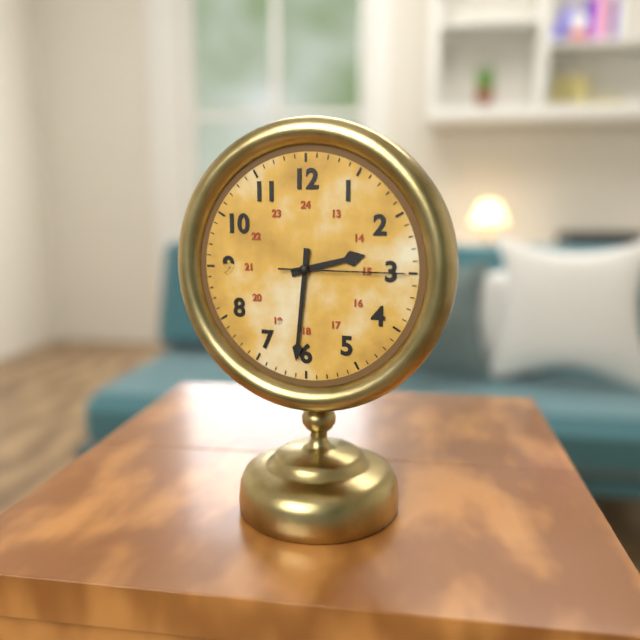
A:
2 h 31 min 15 s
